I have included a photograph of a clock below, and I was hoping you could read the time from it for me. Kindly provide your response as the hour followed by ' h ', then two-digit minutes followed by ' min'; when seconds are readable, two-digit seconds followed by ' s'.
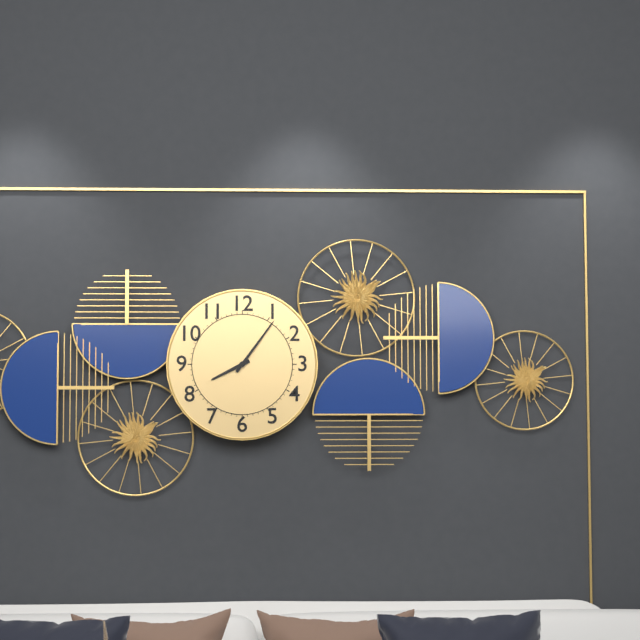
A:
8 h 06 min
